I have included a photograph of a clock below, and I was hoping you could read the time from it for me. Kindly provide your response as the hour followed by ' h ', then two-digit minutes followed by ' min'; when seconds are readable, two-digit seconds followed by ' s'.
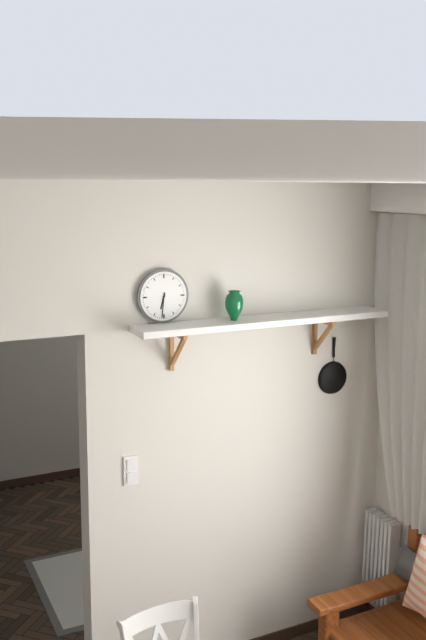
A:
6 h 31 min
